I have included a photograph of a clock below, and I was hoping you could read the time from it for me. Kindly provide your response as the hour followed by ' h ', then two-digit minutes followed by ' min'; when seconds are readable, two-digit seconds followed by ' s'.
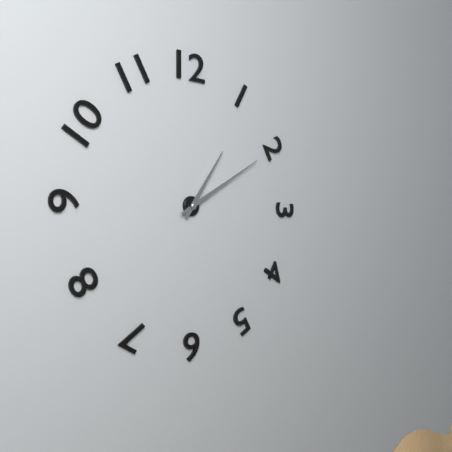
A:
1 h 10 min
